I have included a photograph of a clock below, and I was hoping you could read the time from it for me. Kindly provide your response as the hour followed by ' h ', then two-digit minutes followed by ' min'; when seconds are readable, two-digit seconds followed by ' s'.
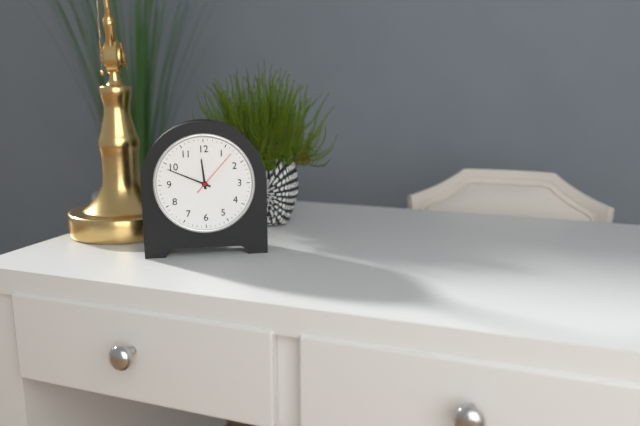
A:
11 h 49 min 07 s
